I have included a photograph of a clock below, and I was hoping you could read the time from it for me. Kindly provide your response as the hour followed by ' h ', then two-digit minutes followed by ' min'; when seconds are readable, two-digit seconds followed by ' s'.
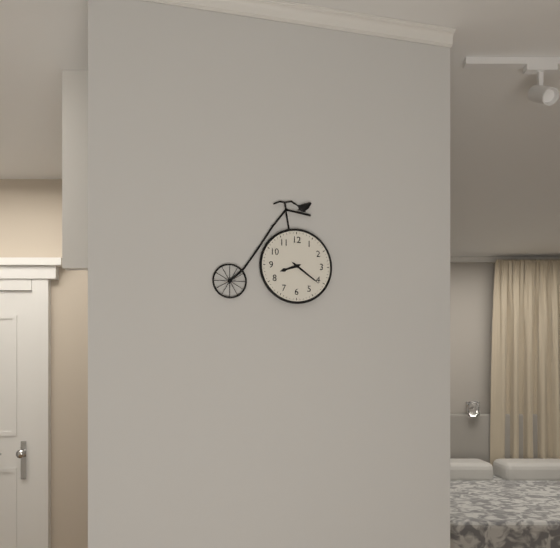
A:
8 h 21 min
